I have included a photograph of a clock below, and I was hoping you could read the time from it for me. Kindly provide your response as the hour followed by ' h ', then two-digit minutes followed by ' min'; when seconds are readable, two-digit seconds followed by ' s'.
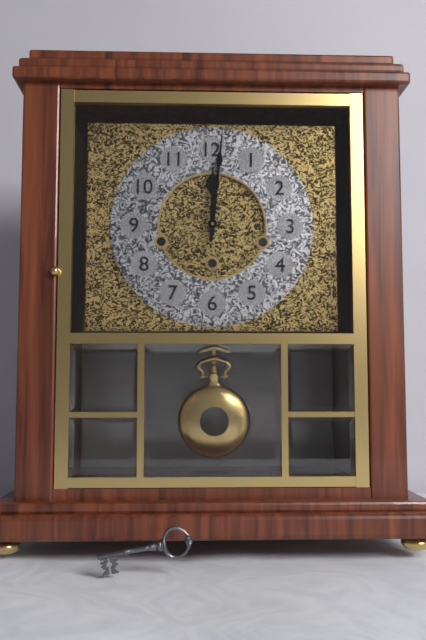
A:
12 h 01 min
